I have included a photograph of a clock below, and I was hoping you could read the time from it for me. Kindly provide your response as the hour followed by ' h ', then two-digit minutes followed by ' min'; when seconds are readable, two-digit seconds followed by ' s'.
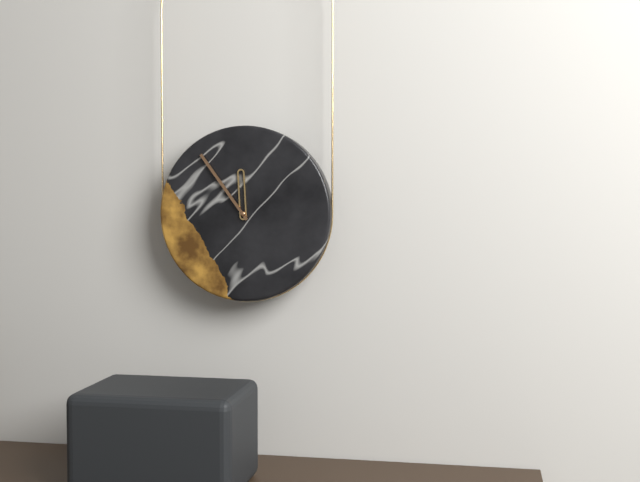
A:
11 h 54 min
